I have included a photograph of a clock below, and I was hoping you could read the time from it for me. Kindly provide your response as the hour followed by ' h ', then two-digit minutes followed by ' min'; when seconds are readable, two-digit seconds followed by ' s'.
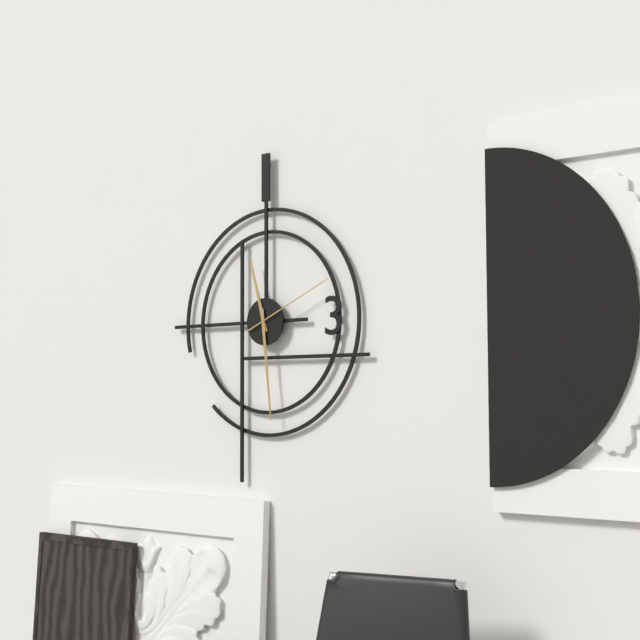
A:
11 h 29 min 11 s
